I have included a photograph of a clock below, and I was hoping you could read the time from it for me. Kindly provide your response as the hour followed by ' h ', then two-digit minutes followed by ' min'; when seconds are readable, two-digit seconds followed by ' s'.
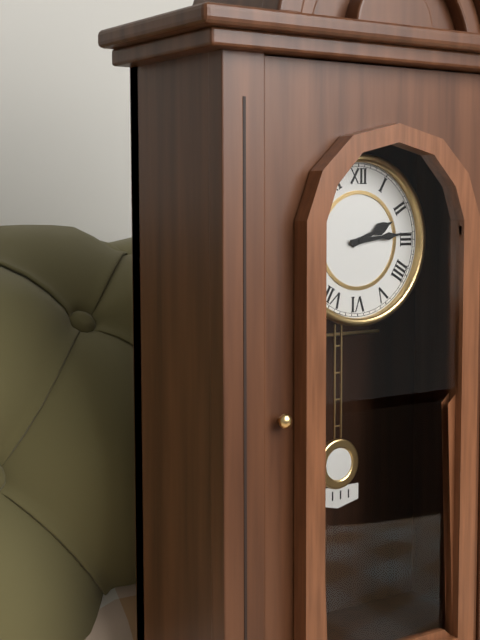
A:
2 h 14 min
